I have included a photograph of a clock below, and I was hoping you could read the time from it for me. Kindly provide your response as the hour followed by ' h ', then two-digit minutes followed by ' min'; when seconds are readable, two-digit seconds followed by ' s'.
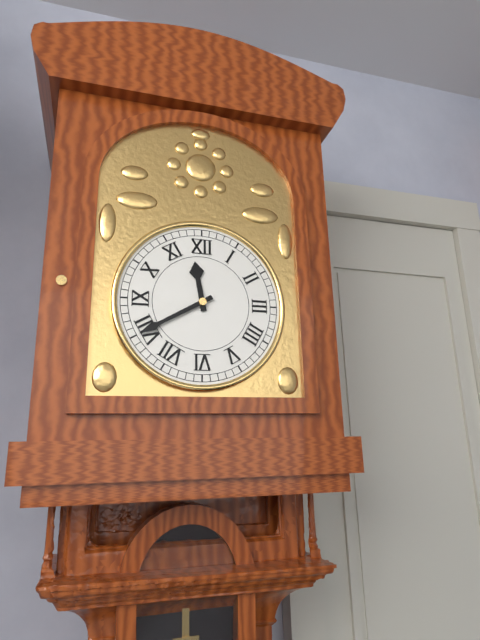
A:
11 h 40 min
